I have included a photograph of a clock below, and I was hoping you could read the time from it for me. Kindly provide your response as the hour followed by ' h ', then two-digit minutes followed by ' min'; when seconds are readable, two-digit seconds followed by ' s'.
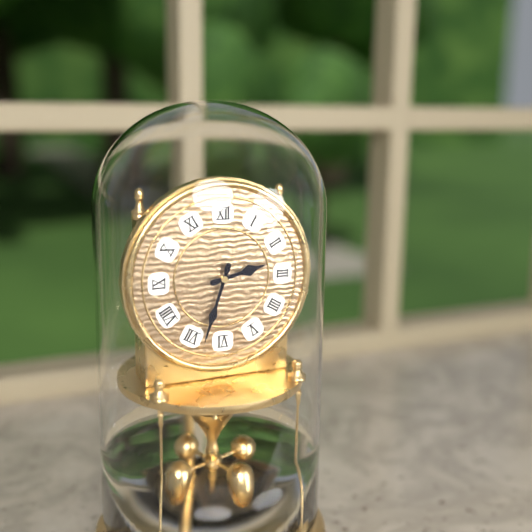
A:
2 h 33 min
